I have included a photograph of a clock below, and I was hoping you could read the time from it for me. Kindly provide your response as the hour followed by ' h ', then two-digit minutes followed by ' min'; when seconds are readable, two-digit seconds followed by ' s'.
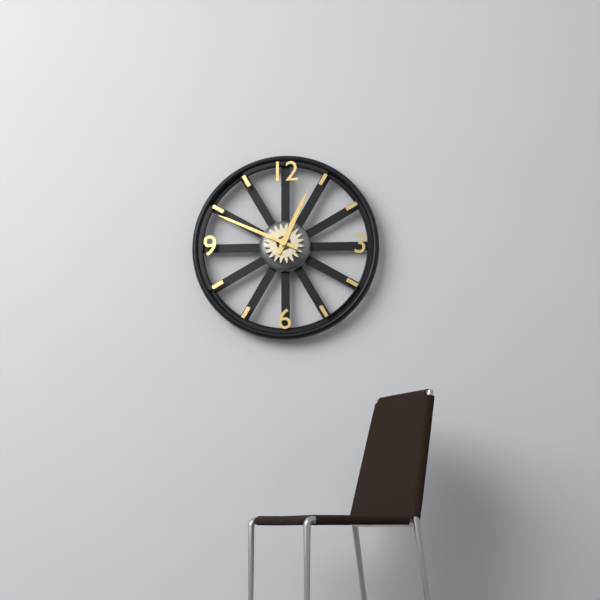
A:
12 h 49 min
